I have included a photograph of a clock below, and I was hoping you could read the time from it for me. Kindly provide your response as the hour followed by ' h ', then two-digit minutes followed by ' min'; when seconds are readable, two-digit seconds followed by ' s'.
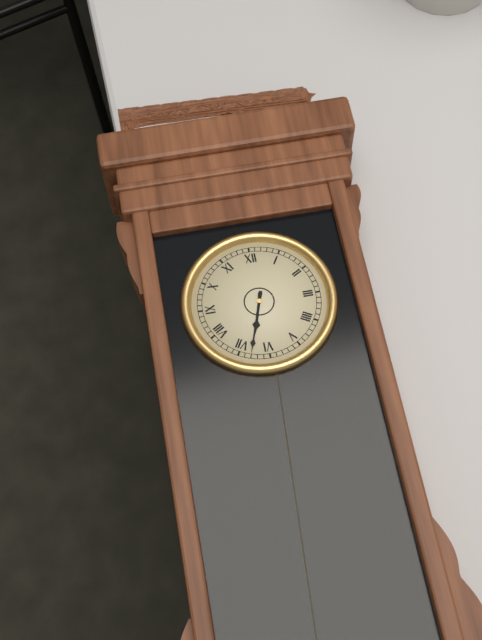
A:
6 h 33 min
